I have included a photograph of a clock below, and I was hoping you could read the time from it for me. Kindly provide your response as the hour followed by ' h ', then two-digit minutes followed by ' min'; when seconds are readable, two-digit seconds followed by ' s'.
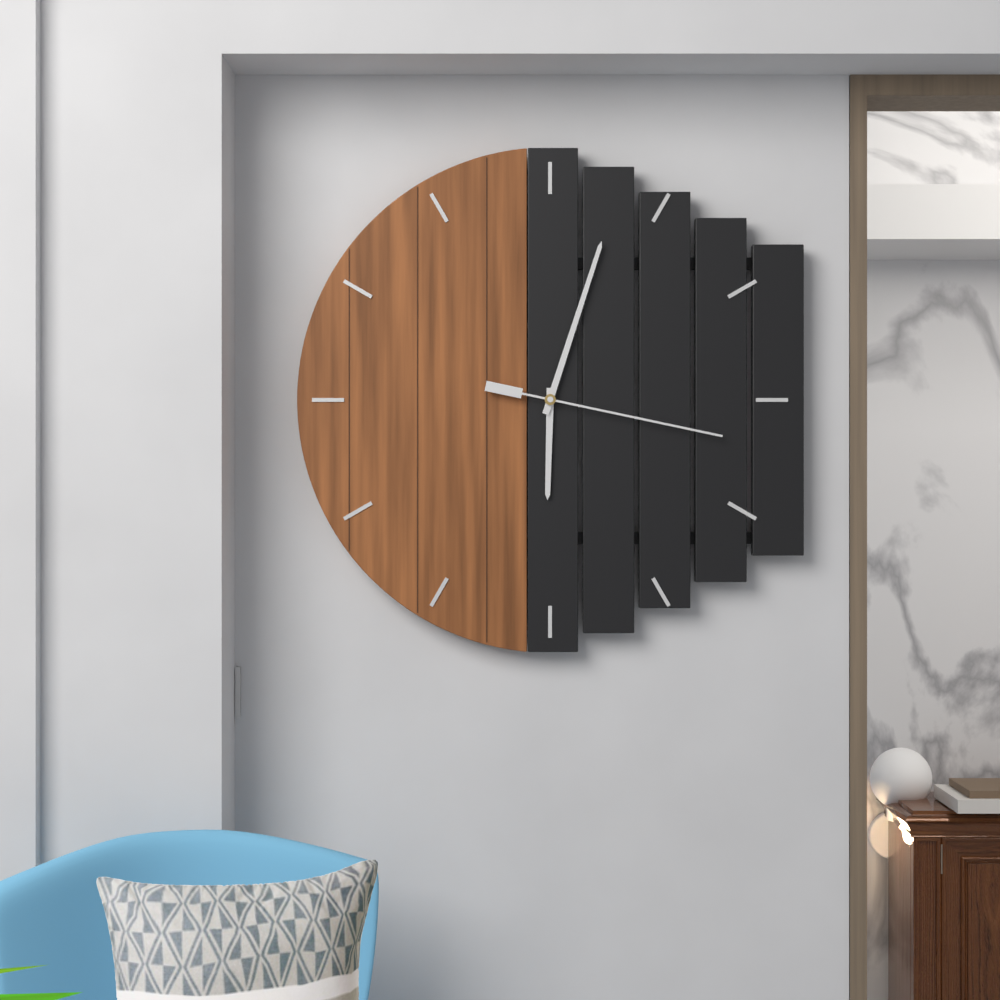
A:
6 h 03 min 17 s
